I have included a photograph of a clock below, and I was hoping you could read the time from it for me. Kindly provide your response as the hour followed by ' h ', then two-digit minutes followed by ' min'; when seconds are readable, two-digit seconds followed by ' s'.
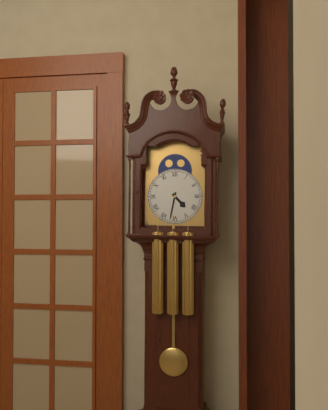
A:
4 h 32 min
